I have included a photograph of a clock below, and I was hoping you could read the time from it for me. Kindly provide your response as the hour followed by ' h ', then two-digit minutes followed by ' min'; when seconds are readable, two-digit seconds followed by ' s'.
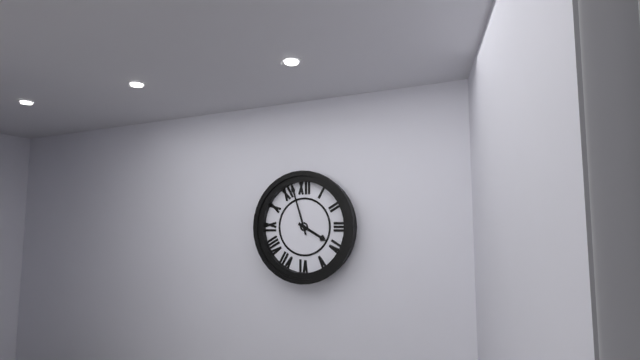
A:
3 h 57 min
